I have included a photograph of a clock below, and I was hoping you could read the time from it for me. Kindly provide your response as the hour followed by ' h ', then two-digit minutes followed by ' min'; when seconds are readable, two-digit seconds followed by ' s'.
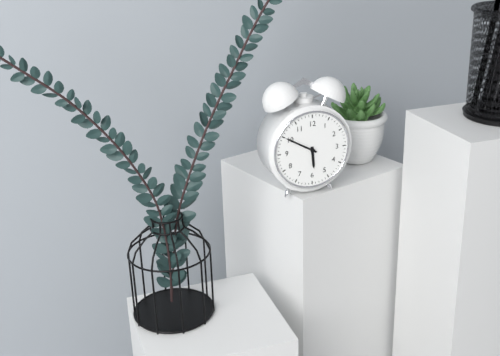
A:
5 h 50 min
